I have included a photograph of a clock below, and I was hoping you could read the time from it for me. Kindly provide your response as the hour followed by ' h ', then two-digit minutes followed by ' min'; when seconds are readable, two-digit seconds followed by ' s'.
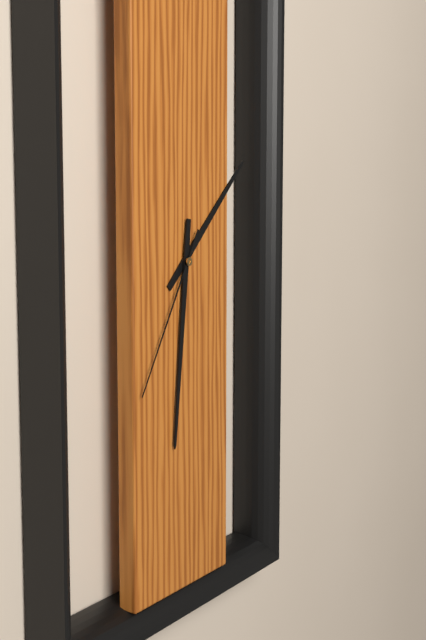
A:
1 h 31 min 35 s
